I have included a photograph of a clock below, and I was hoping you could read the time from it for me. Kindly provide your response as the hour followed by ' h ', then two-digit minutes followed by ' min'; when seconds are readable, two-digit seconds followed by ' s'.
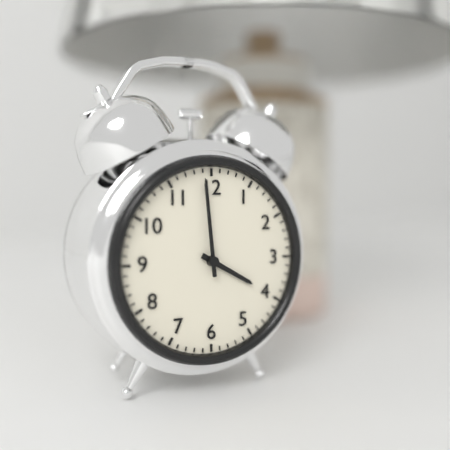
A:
3 h 59 min
